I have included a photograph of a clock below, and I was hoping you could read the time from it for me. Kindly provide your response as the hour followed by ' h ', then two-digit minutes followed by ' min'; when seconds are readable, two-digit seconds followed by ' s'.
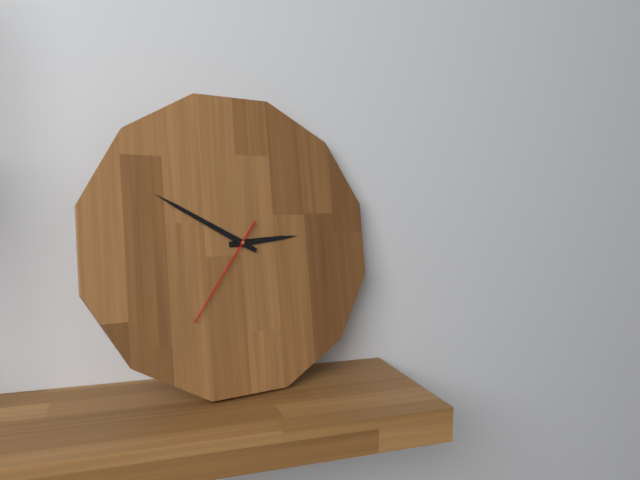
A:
2 h 50 min 36 s
